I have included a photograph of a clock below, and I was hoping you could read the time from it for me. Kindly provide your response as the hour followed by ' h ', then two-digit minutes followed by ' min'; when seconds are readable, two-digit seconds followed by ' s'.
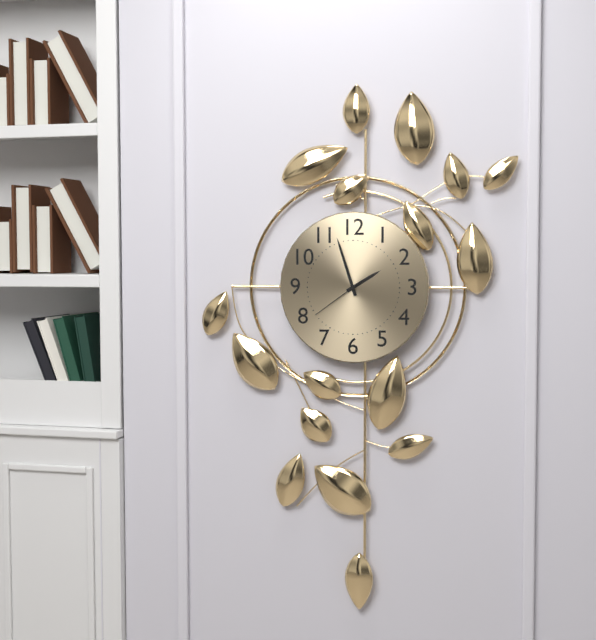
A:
1 h 57 min 39 s
